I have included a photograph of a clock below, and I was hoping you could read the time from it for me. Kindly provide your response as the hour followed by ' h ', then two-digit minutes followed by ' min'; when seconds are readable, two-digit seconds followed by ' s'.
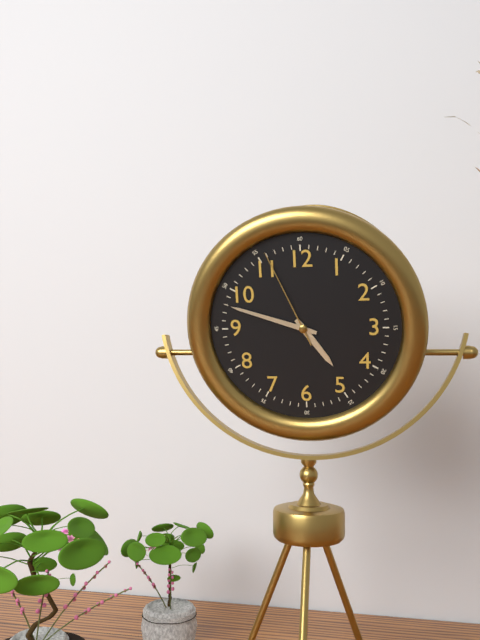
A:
4 h 48 min 56 s
